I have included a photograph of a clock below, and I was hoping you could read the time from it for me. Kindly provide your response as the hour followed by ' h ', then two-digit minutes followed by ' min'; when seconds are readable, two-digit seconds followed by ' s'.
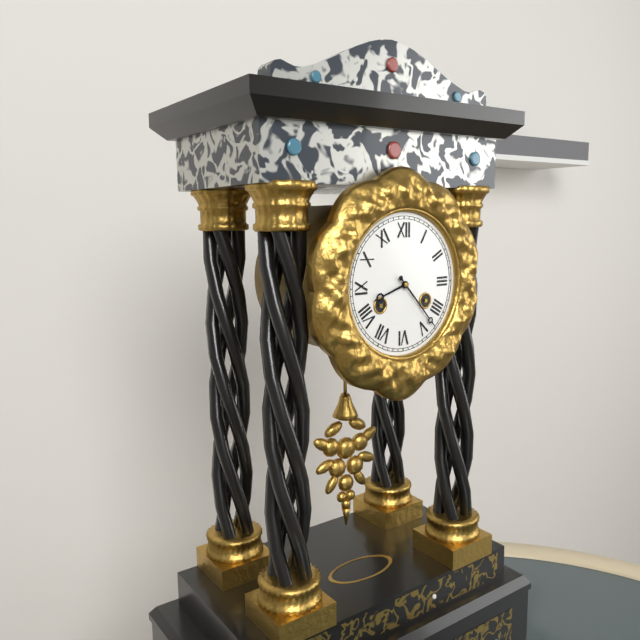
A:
8 h 23 min
